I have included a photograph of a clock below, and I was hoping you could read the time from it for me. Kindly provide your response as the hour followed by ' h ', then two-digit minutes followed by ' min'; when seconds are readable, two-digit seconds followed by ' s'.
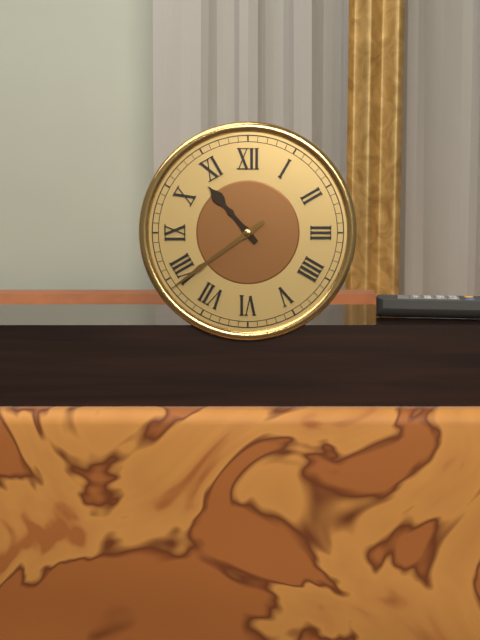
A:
10 h 39 min
